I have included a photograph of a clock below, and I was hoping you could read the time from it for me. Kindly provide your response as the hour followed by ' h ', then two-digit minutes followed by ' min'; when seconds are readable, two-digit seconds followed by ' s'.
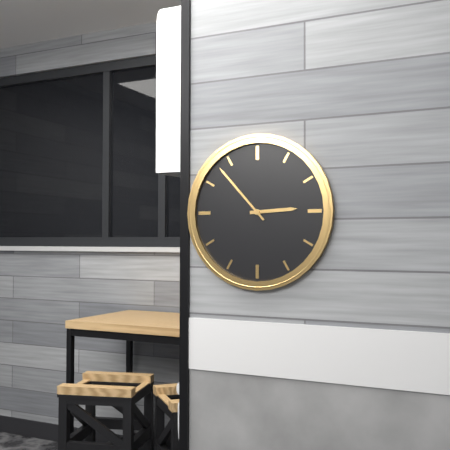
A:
2 h 53 min
